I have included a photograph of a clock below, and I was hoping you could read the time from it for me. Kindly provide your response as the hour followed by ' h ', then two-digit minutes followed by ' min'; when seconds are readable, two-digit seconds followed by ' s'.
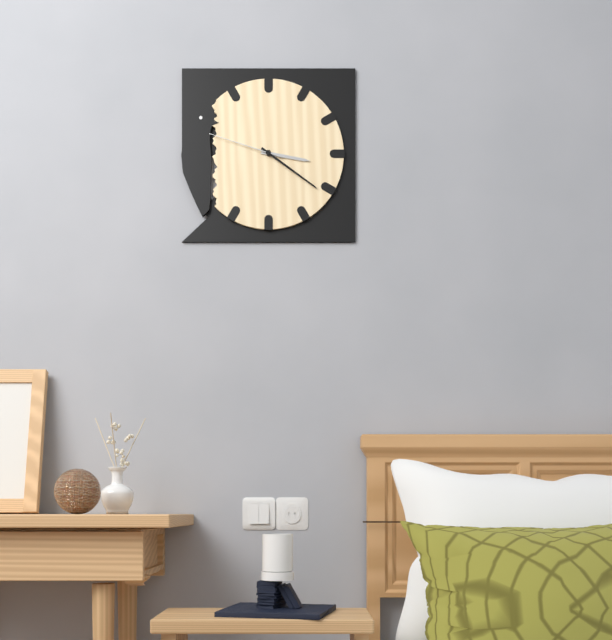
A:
3 h 21 min 48 s
